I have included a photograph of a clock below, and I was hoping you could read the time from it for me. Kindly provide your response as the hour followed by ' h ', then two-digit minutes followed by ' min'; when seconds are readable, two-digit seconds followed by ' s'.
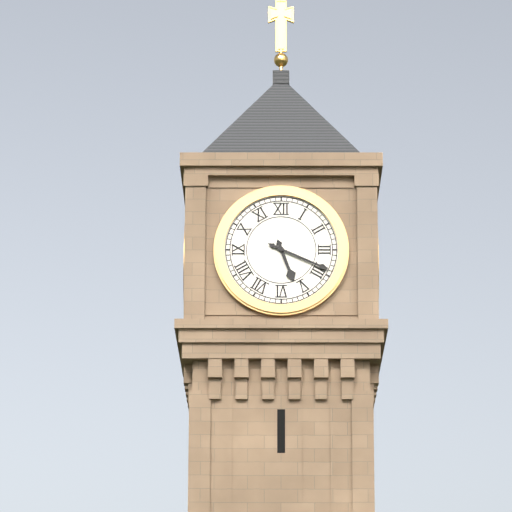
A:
5 h 19 min
